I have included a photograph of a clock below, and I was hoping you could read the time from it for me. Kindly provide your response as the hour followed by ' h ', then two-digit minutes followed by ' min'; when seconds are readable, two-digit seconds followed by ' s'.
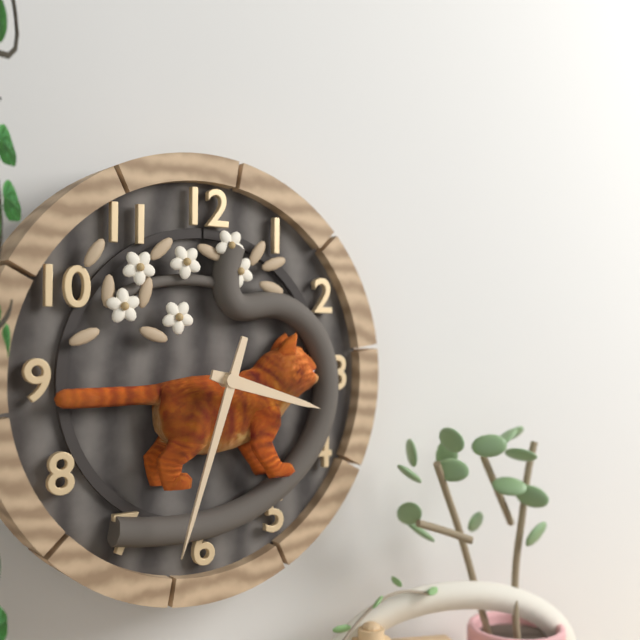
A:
3 h 33 min
